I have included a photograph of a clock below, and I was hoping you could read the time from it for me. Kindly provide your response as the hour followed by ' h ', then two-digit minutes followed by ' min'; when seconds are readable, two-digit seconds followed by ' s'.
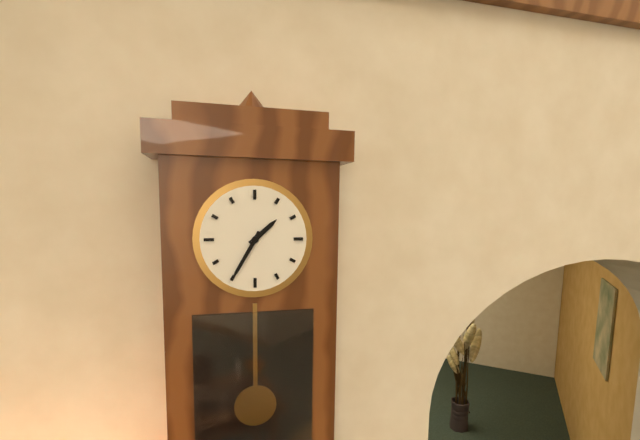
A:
1 h 35 min
